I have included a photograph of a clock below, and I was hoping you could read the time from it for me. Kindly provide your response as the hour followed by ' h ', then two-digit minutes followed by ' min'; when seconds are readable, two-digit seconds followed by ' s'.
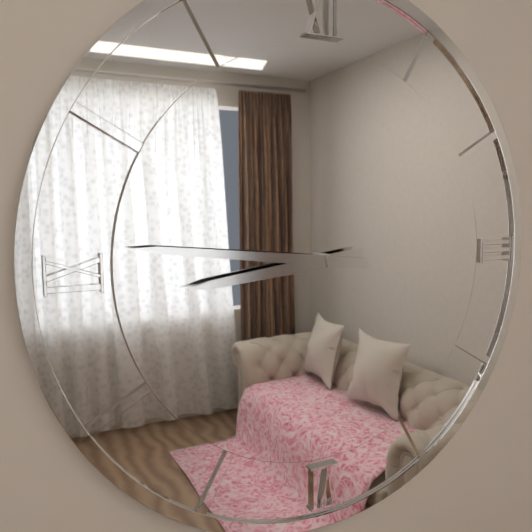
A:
8 h 46 min
